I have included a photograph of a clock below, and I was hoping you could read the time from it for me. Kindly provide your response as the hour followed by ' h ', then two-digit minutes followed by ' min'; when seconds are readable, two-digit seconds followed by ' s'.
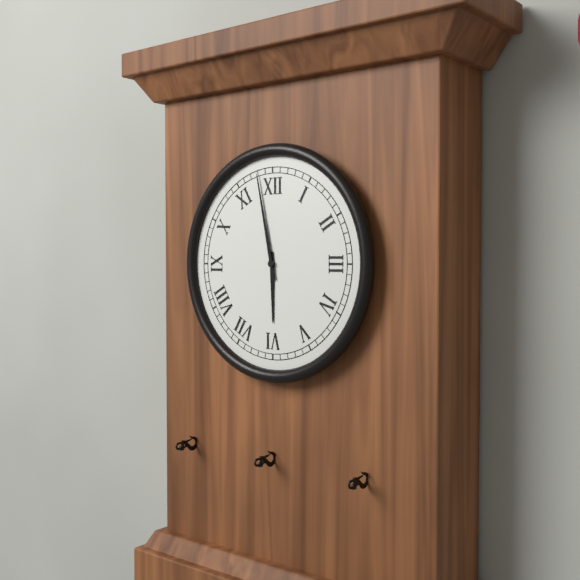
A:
5 h 58 min
